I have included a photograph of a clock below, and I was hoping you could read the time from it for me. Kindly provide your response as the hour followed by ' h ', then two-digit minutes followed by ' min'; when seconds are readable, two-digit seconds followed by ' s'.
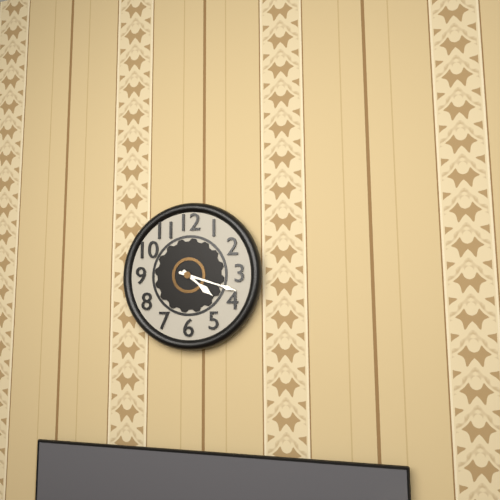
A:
4 h 18 min
